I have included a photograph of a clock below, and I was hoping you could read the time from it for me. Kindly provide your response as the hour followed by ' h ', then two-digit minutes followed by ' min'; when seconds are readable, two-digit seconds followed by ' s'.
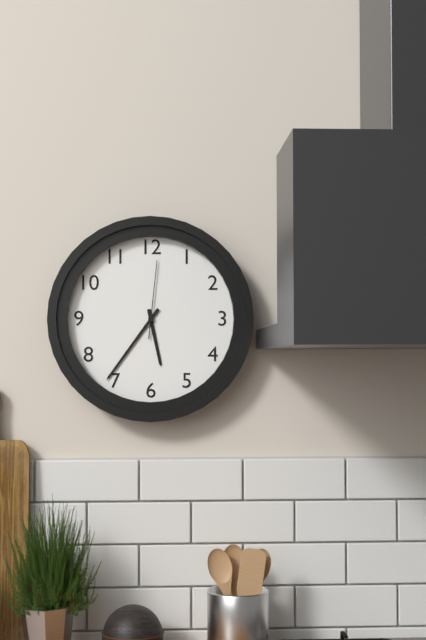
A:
5 h 36 min 01 s
